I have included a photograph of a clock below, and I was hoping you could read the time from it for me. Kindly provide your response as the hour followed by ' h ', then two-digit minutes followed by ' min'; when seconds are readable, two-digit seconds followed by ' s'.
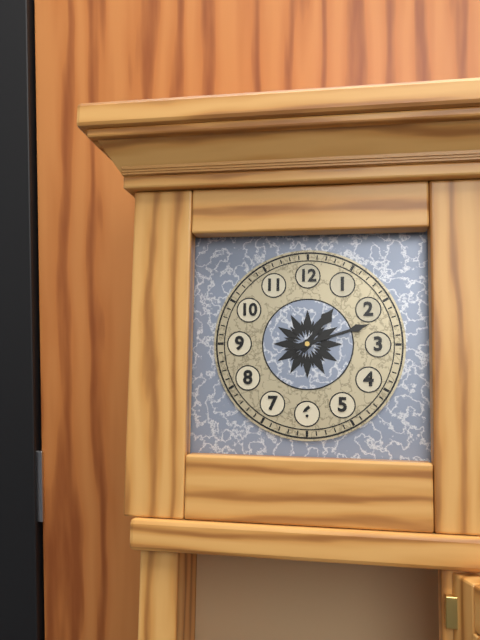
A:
1 h 12 min
